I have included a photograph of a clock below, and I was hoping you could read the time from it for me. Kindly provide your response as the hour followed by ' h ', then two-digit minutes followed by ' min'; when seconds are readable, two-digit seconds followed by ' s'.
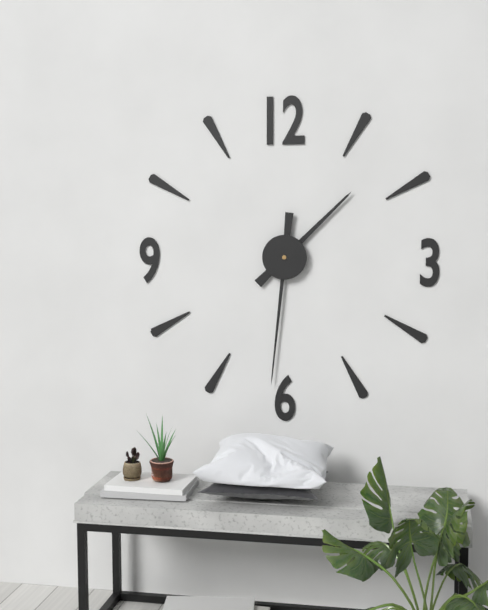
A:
1 h 31 min
